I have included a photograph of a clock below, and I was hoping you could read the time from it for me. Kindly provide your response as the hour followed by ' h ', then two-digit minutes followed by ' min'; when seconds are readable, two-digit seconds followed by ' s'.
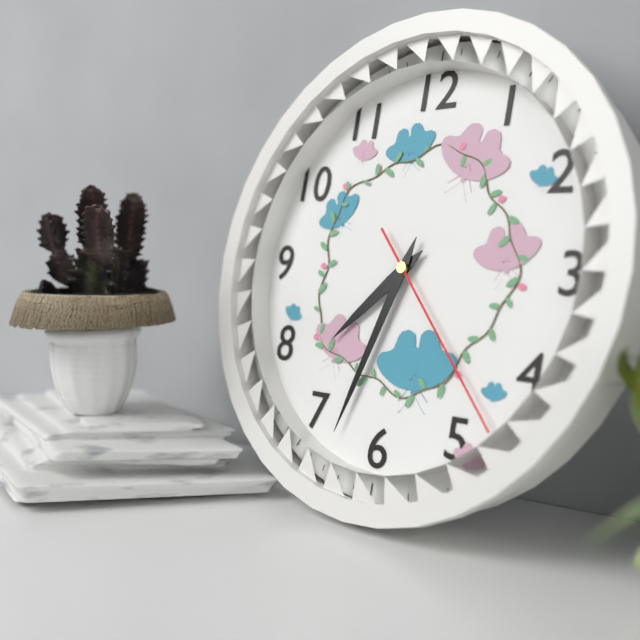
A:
7 h 33 min 23 s
